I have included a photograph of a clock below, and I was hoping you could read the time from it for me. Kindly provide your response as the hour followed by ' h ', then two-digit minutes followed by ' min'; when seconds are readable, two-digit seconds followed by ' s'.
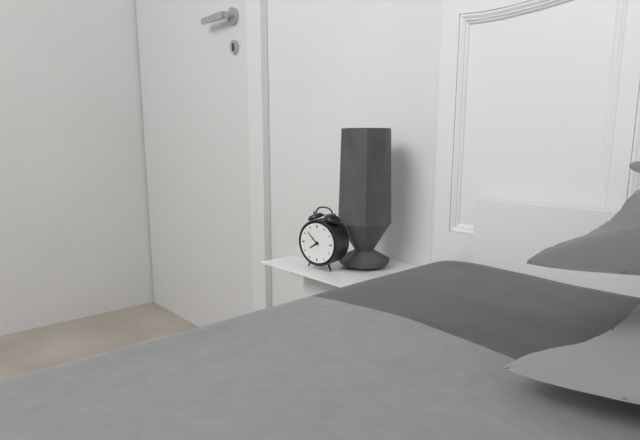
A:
7 h 52 min
